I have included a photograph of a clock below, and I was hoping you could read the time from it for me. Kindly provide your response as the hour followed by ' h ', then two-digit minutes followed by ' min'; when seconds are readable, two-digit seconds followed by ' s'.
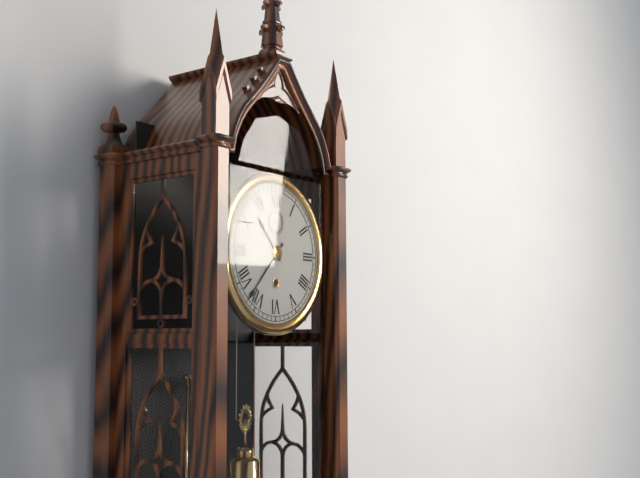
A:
10 h 37 min
